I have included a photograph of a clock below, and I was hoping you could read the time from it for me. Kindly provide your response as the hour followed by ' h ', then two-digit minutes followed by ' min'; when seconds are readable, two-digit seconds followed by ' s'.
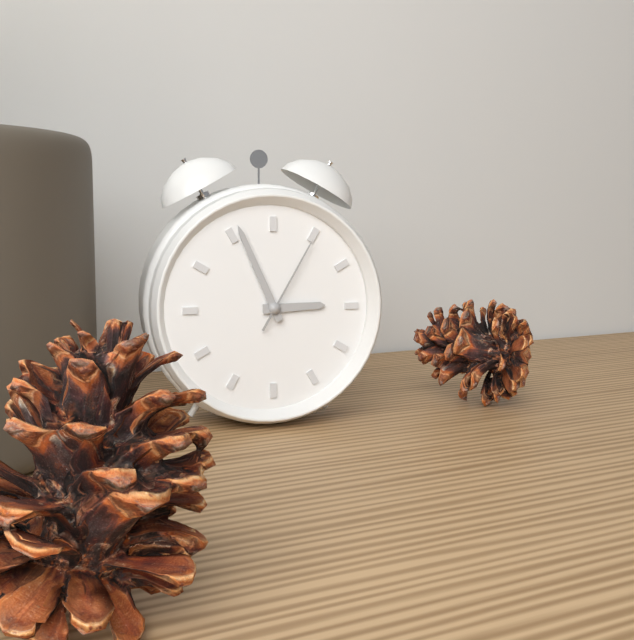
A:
2 h 56 min 05 s
